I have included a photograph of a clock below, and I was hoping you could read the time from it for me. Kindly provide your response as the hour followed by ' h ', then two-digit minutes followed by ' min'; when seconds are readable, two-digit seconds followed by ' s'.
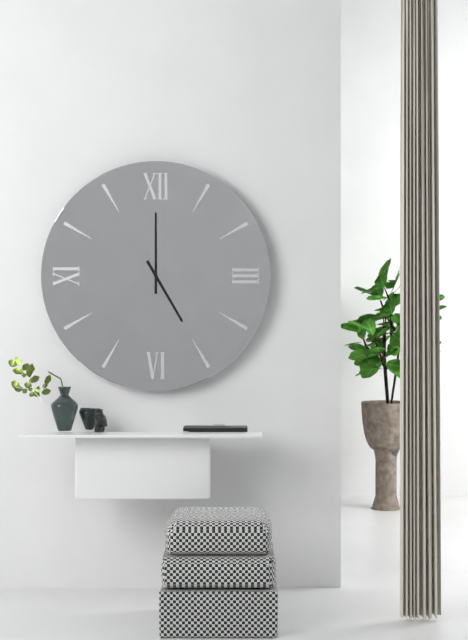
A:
5 h 00 min
